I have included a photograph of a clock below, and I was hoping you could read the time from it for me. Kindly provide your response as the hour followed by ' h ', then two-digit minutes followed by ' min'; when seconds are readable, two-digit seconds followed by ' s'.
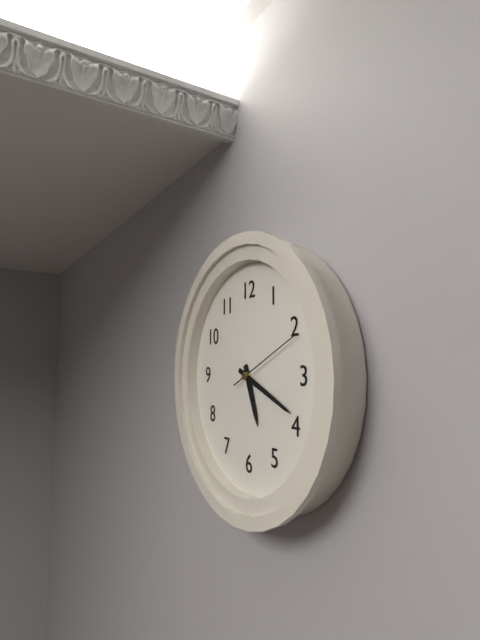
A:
5 h 19 min 11 s
